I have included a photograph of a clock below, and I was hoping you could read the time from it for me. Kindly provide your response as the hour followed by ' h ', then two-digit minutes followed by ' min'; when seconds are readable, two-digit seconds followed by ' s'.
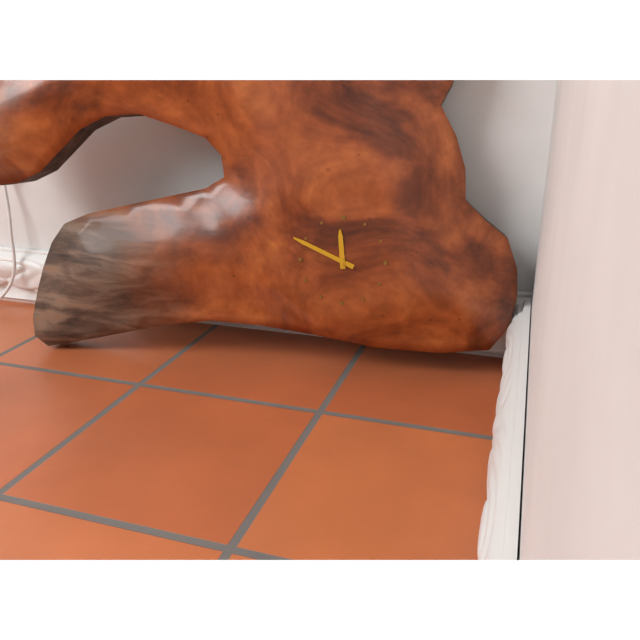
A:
11 h 49 min
